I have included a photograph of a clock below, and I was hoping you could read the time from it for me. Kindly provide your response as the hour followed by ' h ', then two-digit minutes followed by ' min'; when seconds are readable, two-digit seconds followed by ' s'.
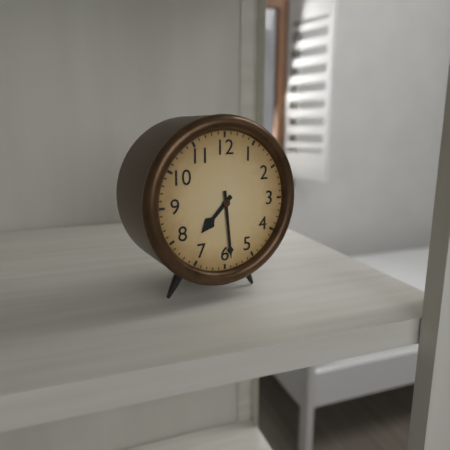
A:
7 h 29 min
